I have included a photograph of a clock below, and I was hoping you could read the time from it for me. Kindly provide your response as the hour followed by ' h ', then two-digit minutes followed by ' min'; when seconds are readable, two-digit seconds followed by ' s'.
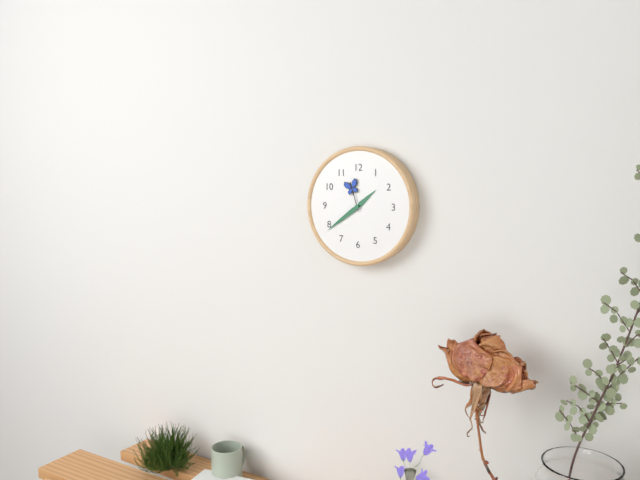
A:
1 h 39 min
